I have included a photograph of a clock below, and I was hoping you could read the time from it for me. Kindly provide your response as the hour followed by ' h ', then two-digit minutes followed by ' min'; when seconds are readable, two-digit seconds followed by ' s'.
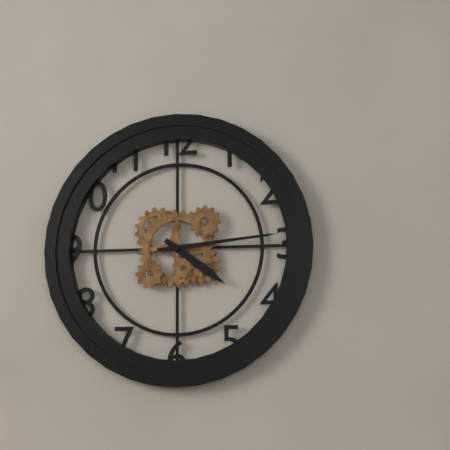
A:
4 h 14 min
